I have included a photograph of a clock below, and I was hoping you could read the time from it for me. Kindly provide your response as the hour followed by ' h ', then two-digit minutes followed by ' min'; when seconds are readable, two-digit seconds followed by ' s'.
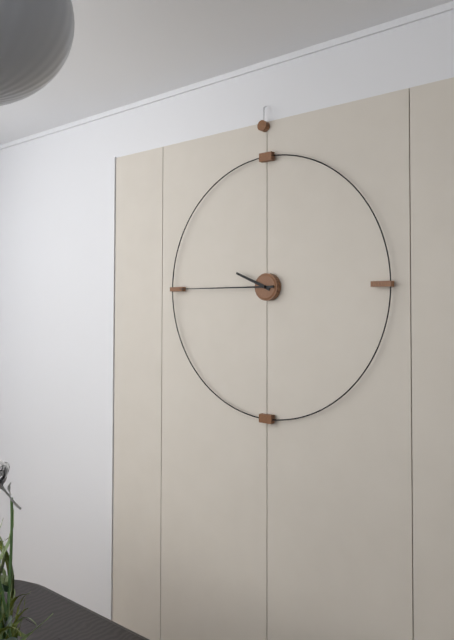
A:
9 h 45 min
